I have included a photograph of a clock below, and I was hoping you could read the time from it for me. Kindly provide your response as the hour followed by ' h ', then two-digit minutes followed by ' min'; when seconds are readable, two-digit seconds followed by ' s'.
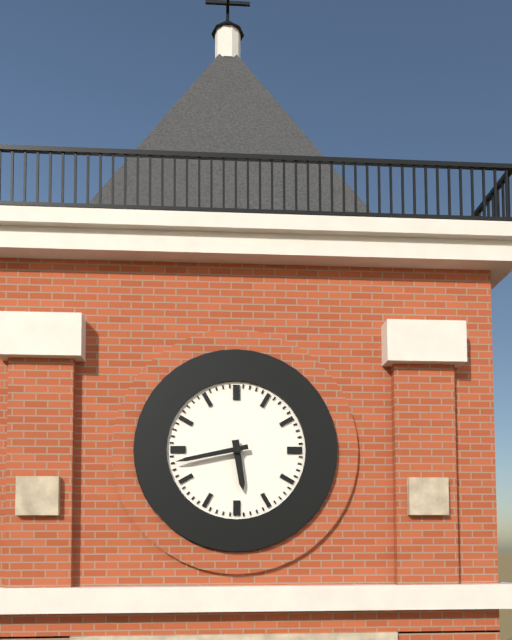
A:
5 h 43 min
